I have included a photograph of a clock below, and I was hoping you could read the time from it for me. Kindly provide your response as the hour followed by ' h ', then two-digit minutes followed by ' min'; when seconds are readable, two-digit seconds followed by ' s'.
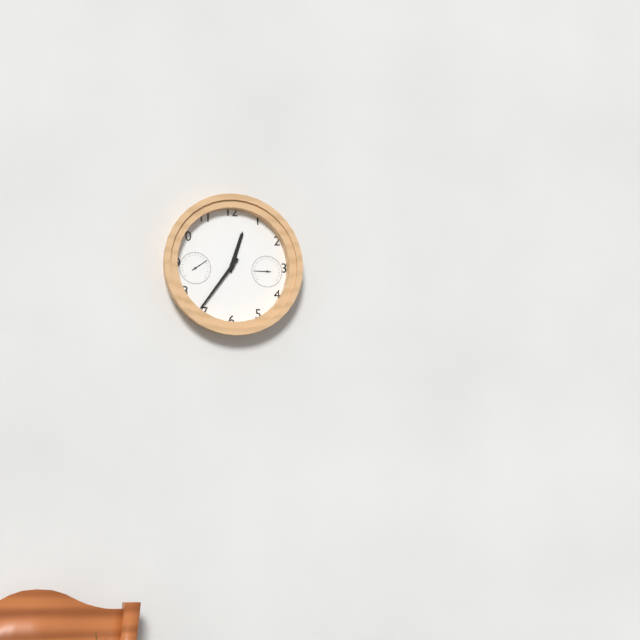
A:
12 h 36 min
